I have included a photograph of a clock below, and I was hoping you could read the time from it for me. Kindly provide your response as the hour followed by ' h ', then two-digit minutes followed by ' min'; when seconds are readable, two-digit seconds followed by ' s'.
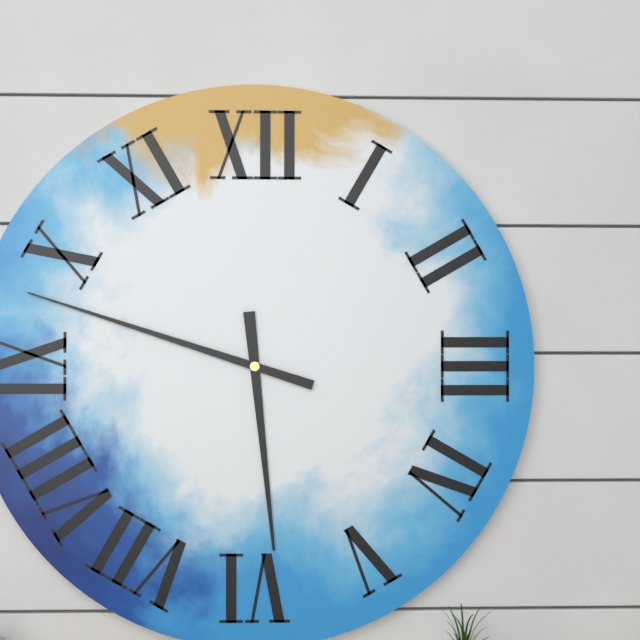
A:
5 h 48 min
